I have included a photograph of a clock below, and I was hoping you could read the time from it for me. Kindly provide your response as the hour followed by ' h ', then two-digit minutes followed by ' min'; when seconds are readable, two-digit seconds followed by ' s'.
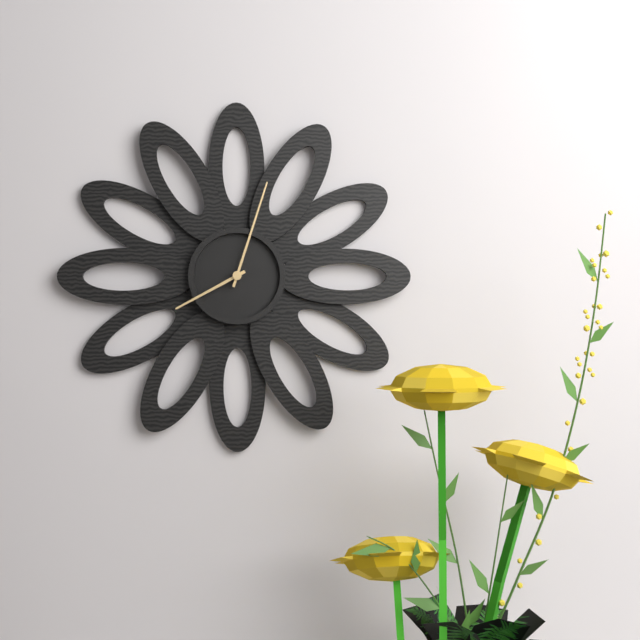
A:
8 h 03 min
